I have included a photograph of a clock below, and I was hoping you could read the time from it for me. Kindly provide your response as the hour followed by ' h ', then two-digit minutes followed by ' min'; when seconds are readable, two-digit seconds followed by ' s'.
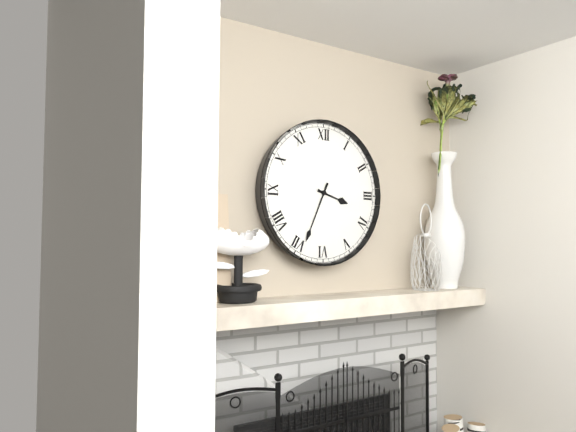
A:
3 h 34 min
